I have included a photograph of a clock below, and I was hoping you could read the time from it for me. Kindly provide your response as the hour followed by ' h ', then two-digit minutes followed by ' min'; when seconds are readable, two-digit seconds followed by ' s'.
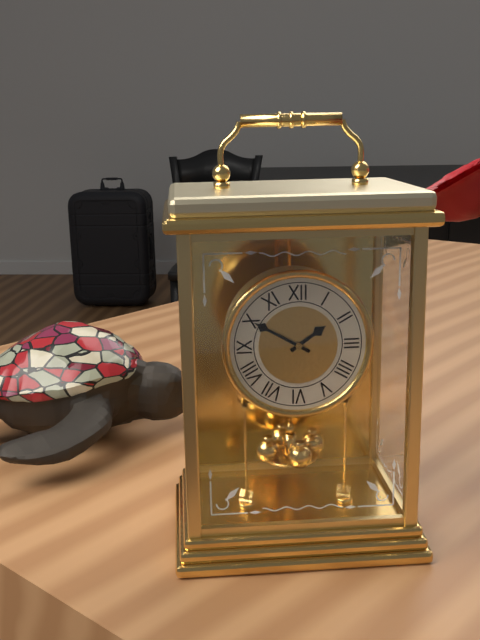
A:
1 h 50 min
